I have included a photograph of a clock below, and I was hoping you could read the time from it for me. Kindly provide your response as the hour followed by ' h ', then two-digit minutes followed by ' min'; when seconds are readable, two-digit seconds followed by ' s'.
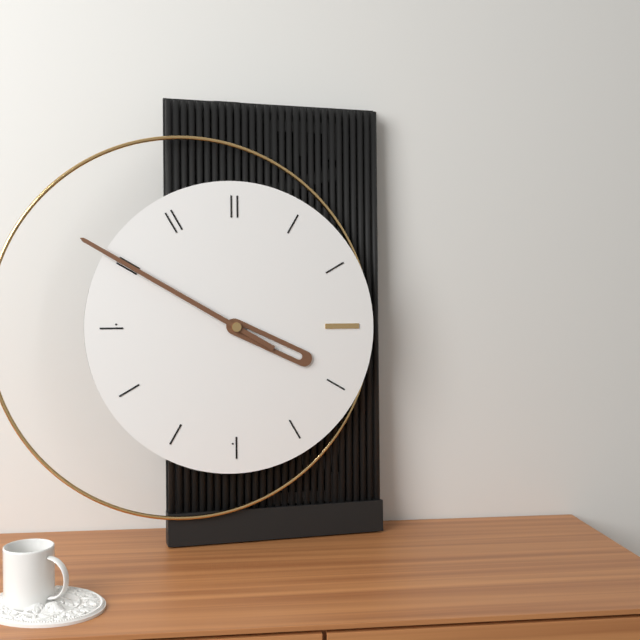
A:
3 h 50 min
